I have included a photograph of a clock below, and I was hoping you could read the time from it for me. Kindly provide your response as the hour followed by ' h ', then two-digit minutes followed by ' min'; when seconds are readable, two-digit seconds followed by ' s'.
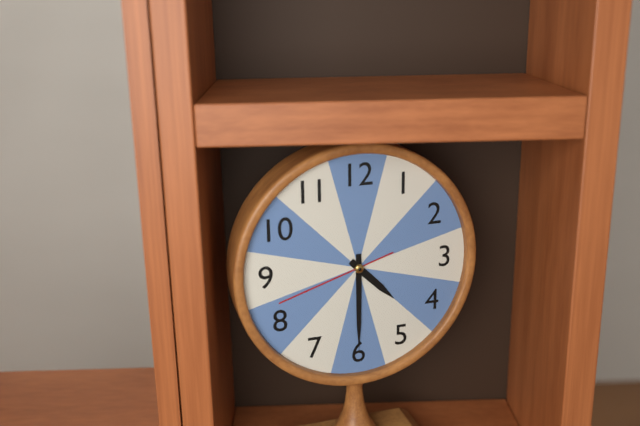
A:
4 h 30 min 42 s
